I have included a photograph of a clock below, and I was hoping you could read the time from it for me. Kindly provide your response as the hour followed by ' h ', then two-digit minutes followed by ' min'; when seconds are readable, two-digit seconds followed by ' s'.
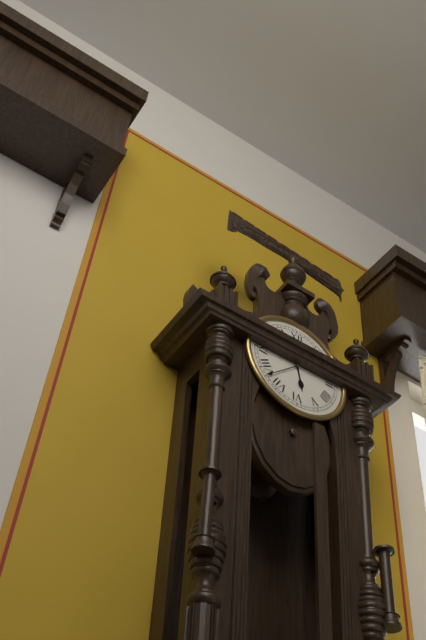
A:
5 h 38 min
